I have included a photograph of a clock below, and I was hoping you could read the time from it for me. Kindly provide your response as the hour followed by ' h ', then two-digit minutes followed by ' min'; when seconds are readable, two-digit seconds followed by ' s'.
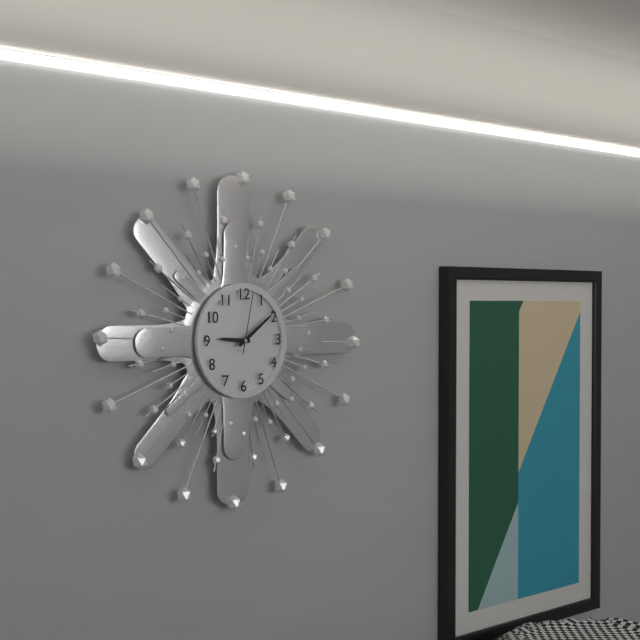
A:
9 h 09 min 02 s
